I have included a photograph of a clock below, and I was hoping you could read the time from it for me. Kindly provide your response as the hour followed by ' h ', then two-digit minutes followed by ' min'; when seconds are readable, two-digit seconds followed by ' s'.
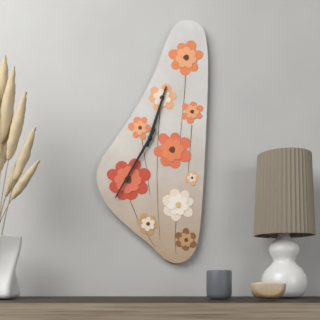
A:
12 h 35 min
